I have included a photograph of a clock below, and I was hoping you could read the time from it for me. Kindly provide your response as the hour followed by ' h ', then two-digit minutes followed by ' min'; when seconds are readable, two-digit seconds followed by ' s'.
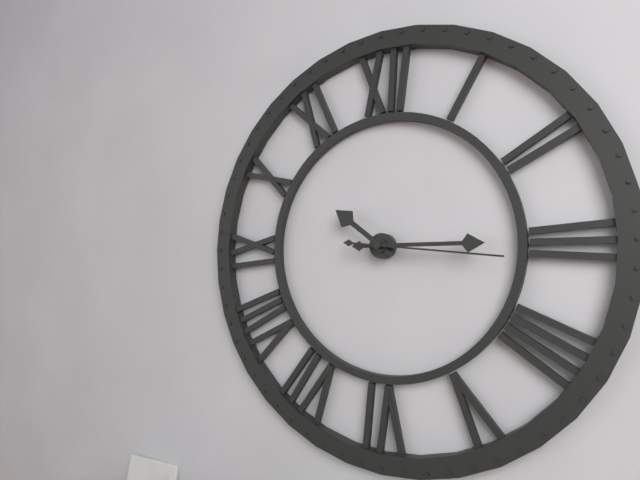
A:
10 h 15 min 16 s
